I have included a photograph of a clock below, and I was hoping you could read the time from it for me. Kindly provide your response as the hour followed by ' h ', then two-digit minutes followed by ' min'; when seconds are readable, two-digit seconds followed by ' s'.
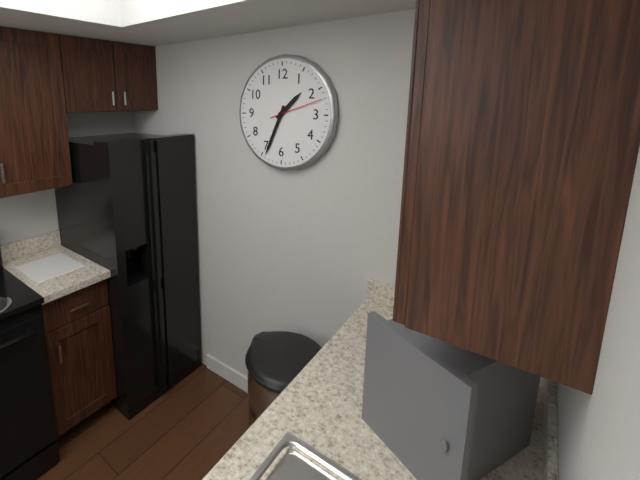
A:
1 h 34 min 12 s
